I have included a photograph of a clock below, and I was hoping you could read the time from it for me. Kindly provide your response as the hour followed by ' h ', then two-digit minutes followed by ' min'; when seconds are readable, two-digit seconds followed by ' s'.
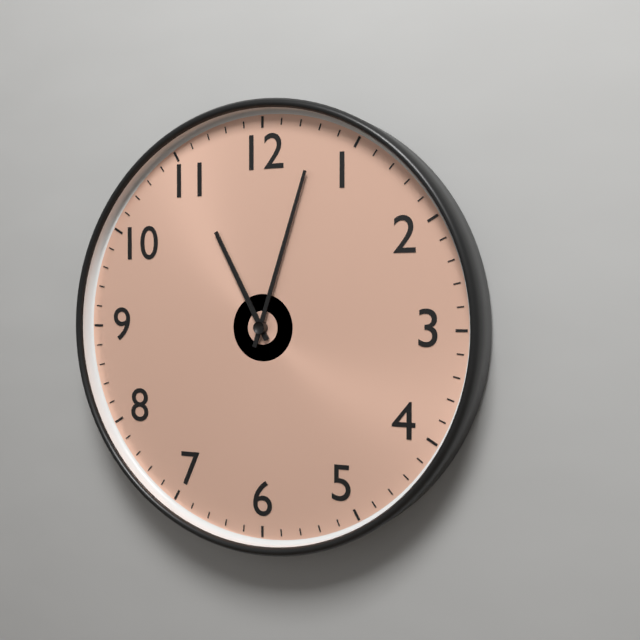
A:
11 h 03 min
